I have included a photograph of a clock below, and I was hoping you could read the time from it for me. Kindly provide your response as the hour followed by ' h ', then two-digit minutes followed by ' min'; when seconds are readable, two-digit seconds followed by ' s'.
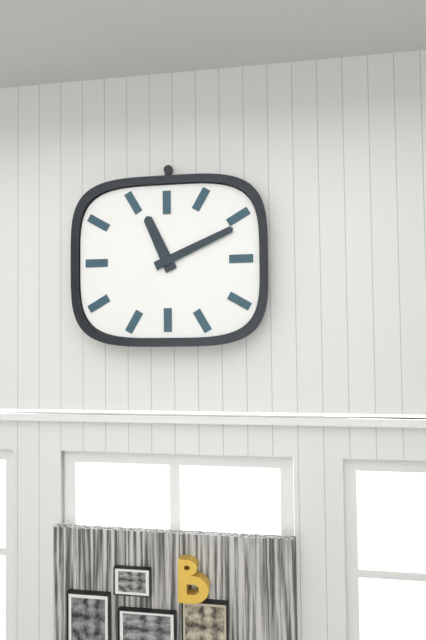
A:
11 h 11 min
